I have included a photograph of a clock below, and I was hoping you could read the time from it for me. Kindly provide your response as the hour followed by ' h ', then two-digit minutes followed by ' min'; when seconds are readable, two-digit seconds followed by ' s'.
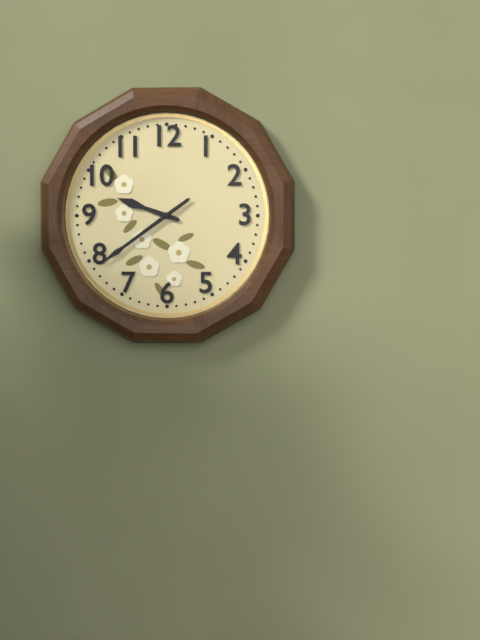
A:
9 h 39 min
